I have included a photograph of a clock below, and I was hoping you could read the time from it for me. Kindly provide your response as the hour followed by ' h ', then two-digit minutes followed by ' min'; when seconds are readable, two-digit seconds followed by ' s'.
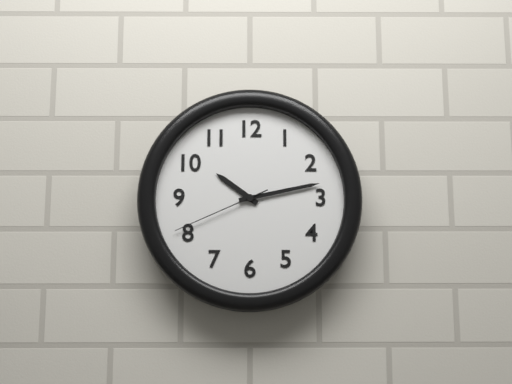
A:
10 h 13 min 41 s
